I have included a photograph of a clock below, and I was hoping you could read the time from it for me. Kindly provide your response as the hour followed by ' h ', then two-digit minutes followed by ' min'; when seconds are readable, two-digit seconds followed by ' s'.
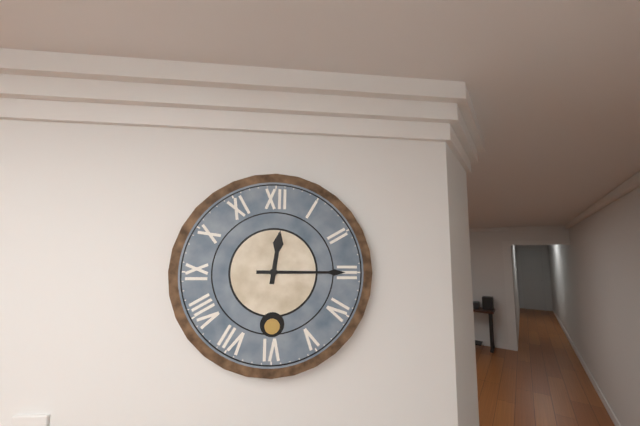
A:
12 h 15 min
